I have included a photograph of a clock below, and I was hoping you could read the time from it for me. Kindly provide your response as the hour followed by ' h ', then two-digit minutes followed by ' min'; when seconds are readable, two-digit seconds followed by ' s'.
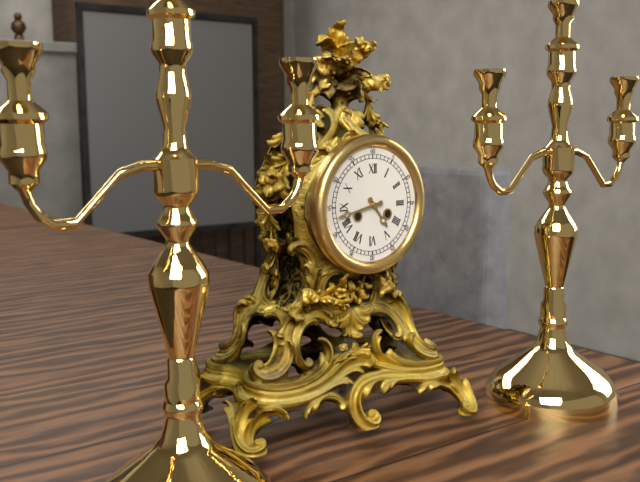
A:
4 h 43 min
